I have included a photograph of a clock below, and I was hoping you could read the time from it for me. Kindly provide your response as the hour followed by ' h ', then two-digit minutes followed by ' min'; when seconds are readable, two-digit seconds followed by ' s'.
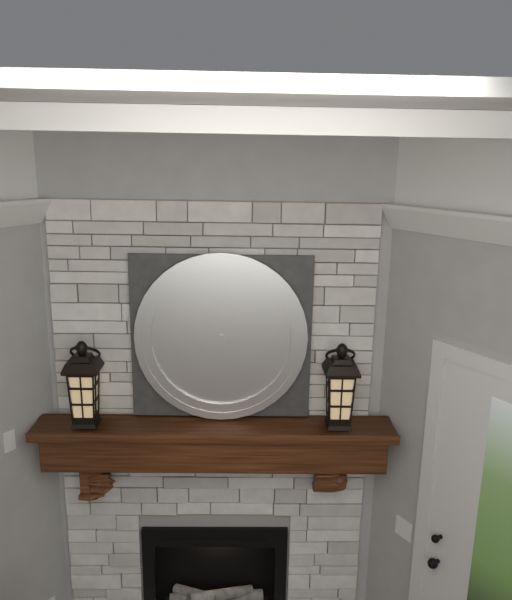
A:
11 h 24 min
